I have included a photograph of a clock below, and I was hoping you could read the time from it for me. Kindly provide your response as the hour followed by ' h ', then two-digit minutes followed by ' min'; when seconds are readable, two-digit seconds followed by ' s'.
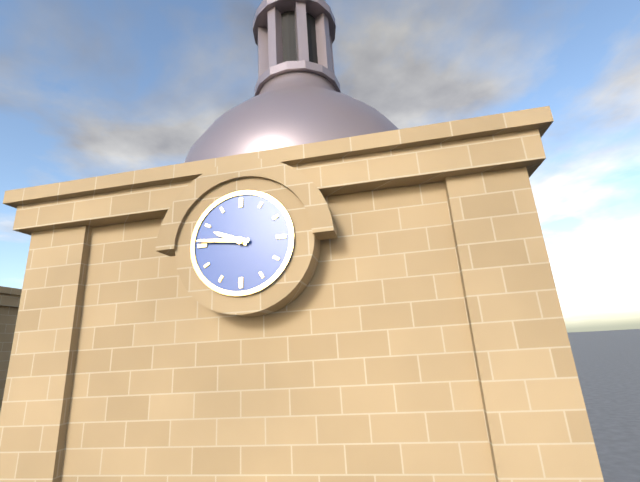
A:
9 h 46 min
